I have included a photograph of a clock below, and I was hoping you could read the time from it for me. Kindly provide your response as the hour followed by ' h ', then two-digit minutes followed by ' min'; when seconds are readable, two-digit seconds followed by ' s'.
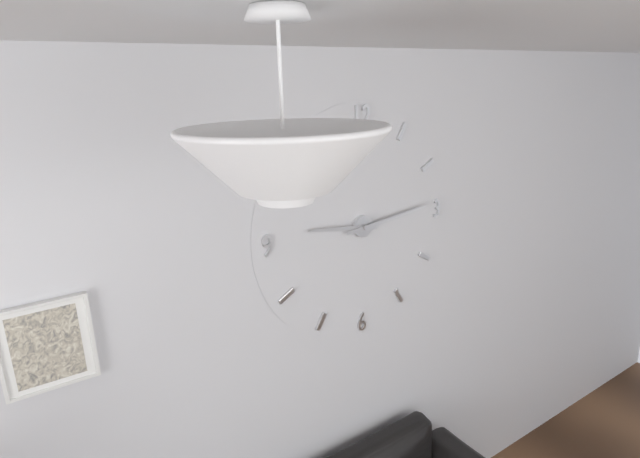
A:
9 h 14 min
